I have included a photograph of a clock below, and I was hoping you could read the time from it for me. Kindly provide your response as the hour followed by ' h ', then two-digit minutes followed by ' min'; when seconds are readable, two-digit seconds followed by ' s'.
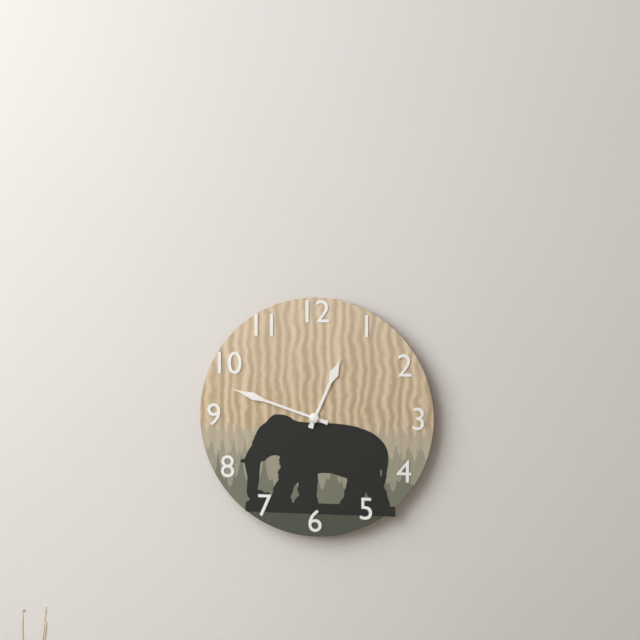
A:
12 h 48 min
